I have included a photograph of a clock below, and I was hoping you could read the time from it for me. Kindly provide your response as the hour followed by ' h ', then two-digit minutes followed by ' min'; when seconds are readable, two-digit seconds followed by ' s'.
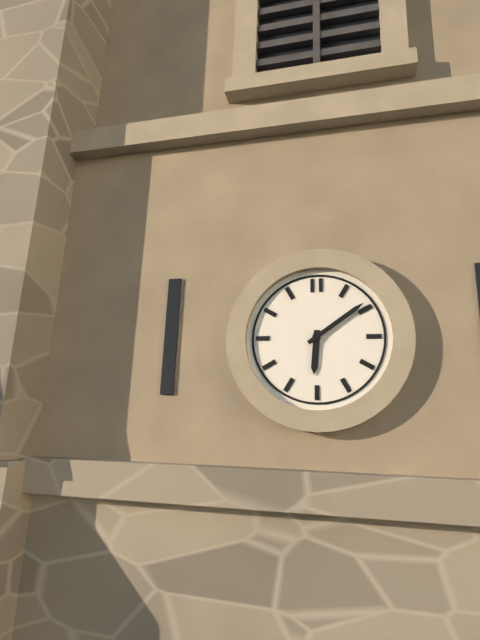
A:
6 h 09 min
